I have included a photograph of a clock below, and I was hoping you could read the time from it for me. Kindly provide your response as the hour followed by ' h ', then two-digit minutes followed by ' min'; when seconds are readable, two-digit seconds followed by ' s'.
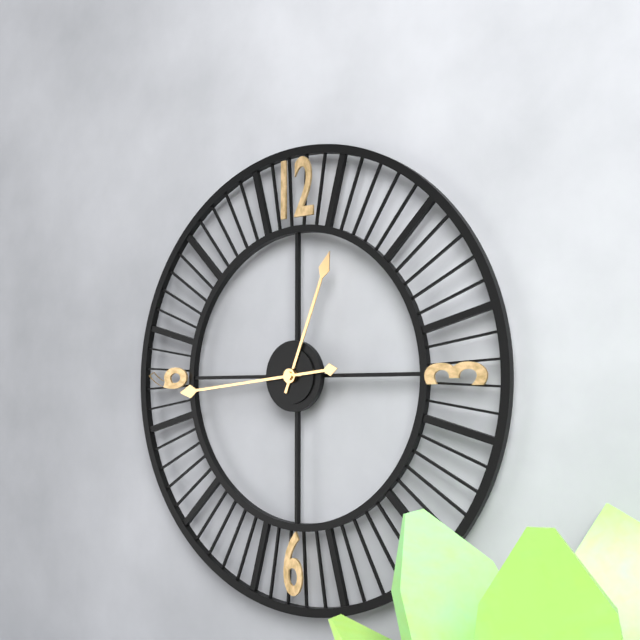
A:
12 h 44 min
